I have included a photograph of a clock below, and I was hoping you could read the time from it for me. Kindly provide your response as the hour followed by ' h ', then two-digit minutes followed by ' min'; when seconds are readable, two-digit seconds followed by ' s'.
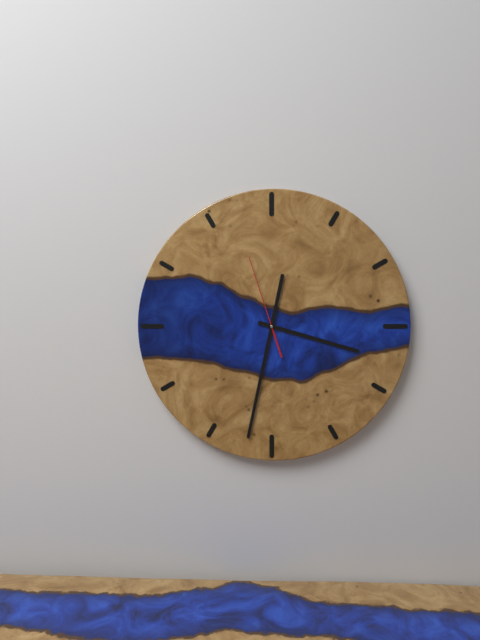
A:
3 h 32 min 57 s
